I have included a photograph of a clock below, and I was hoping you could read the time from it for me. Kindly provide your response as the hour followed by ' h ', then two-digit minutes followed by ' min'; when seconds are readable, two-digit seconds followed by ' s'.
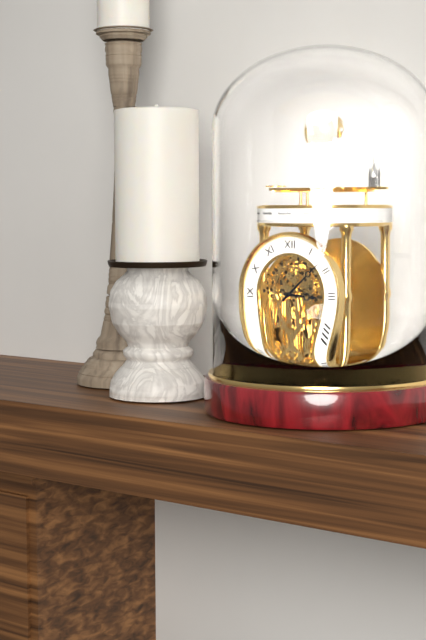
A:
3 h 08 min
